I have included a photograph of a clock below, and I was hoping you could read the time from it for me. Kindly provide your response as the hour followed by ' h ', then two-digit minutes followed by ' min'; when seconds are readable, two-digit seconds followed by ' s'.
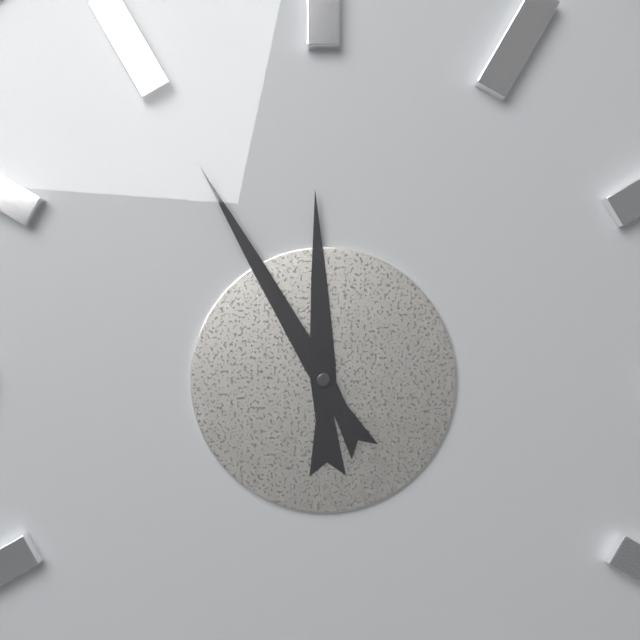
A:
11 h 55 min
